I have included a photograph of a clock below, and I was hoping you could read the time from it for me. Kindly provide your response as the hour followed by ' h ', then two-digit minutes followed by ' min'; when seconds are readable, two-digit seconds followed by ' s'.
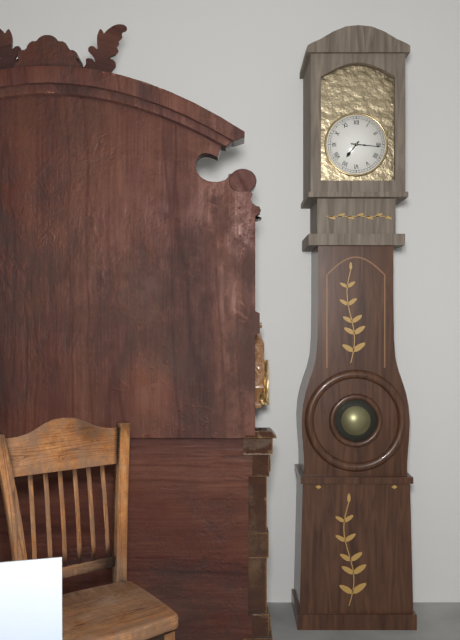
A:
7 h 16 min
